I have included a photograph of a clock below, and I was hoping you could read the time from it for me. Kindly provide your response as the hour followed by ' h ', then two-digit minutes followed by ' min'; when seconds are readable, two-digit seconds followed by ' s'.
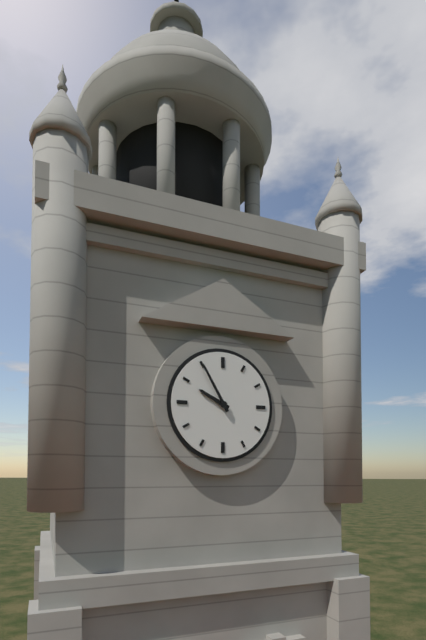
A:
9 h 55 min
